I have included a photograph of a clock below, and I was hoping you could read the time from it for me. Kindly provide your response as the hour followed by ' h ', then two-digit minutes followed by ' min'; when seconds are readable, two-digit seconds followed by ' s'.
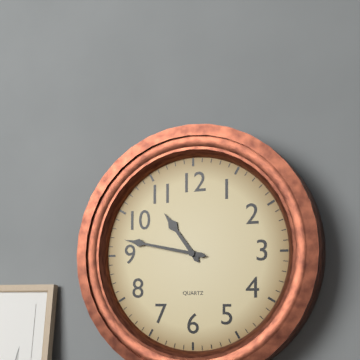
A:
10 h 47 min
